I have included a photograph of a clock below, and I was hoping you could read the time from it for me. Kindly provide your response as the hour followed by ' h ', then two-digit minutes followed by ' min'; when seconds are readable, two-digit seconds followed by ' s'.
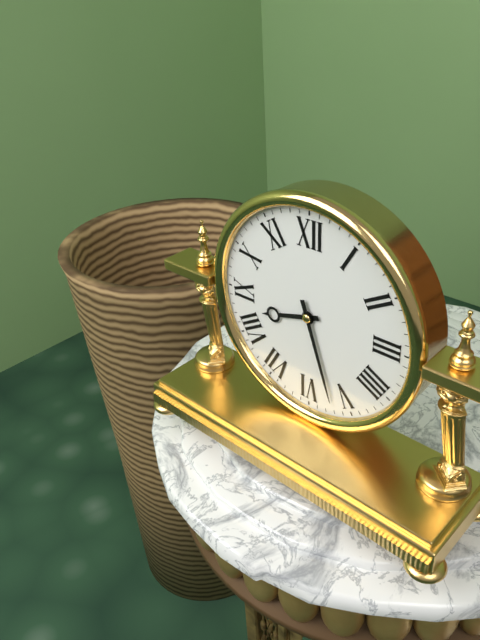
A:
8 h 27 min
